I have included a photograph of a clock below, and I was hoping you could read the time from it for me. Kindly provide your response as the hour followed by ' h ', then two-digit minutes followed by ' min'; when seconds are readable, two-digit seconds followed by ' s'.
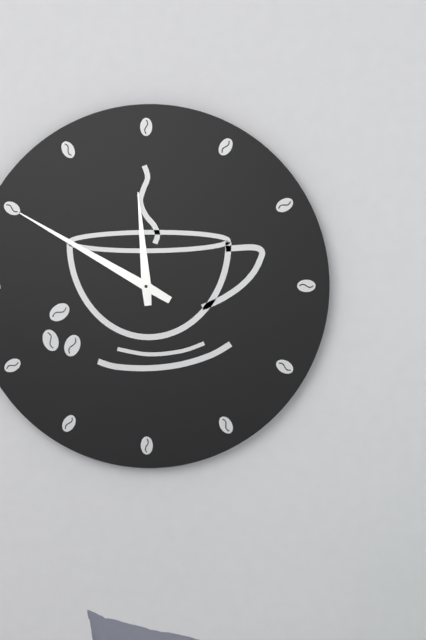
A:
11 h 50 min
